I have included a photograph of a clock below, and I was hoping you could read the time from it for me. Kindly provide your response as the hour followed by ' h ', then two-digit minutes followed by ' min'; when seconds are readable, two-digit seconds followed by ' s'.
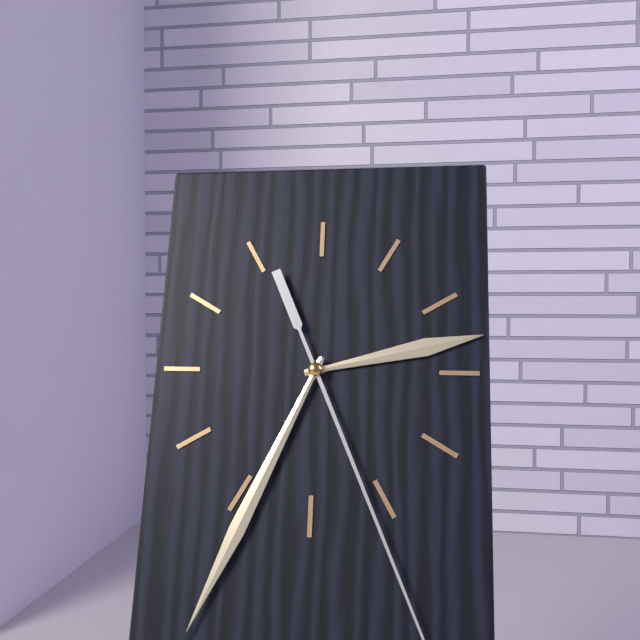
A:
2 h 34 min
